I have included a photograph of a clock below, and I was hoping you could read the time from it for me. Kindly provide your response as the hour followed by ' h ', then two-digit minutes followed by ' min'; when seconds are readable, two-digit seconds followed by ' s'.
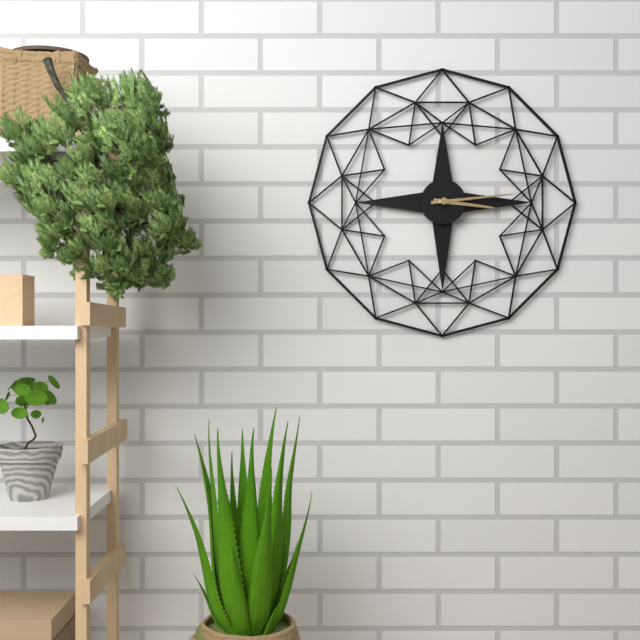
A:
3 h 14 min
